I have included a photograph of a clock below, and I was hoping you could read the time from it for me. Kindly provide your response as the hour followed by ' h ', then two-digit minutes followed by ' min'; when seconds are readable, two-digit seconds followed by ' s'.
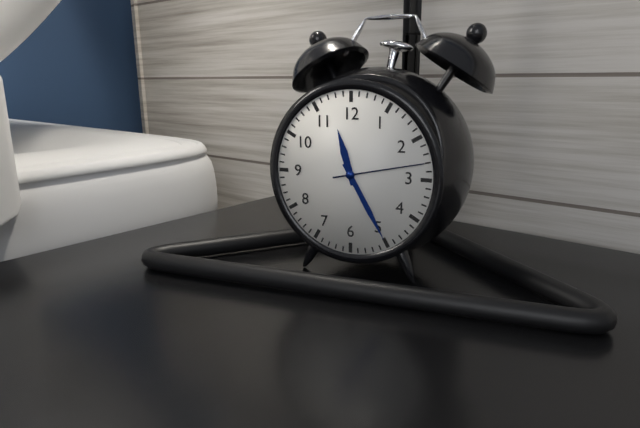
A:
11 h 25 min 13 s
